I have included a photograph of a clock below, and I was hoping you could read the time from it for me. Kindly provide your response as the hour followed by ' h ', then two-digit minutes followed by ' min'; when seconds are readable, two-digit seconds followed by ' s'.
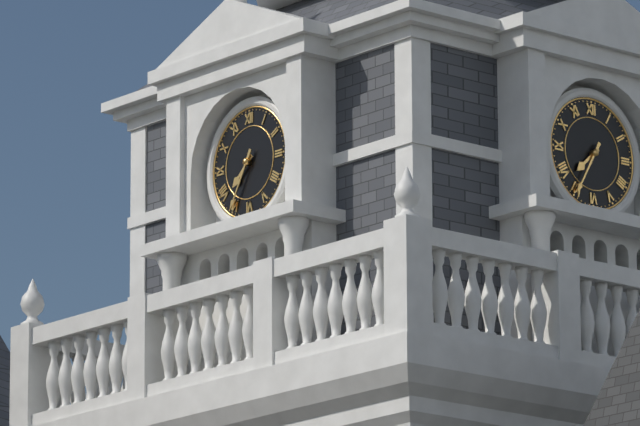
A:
7 h 35 min
